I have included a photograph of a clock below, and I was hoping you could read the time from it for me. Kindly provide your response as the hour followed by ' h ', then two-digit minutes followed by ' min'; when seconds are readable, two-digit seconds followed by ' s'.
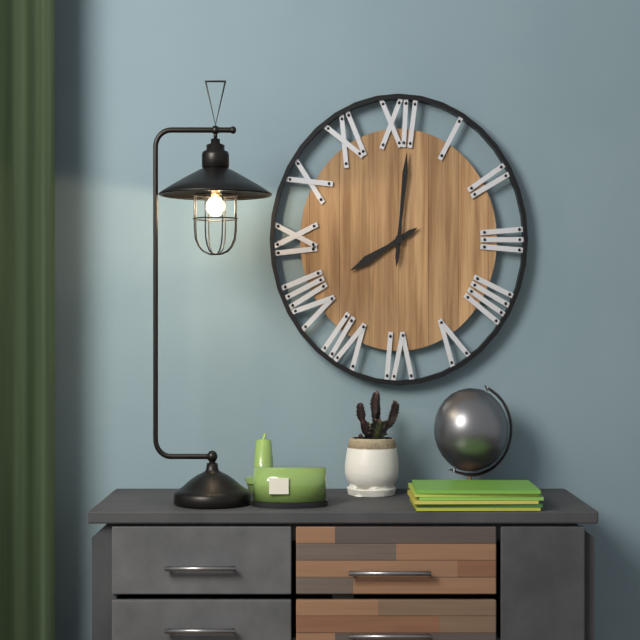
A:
8 h 01 min
